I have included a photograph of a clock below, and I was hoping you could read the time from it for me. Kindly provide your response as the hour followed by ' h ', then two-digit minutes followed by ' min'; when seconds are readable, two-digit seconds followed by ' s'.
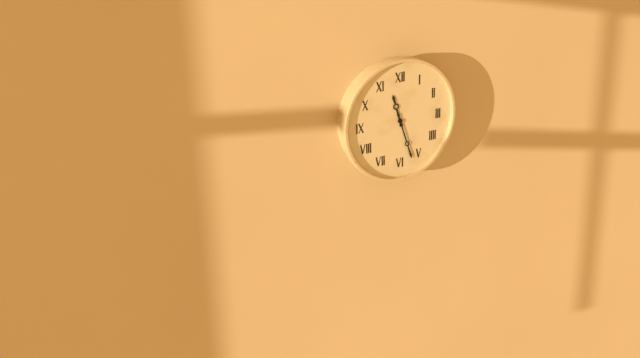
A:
11 h 27 min
